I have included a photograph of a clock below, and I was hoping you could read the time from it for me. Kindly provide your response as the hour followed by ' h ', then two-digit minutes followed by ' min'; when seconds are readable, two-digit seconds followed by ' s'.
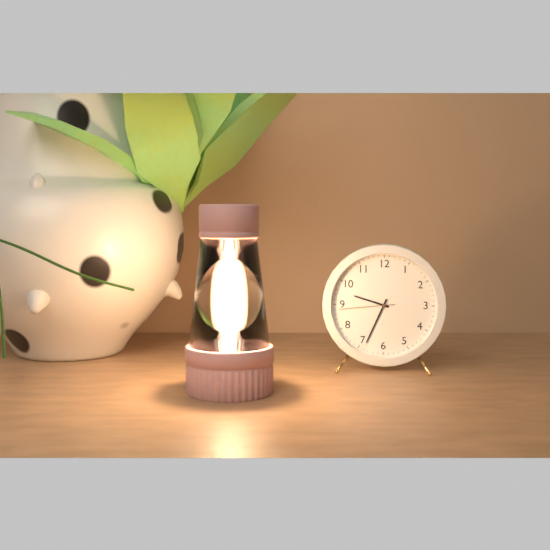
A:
9 h 34 min 44 s
